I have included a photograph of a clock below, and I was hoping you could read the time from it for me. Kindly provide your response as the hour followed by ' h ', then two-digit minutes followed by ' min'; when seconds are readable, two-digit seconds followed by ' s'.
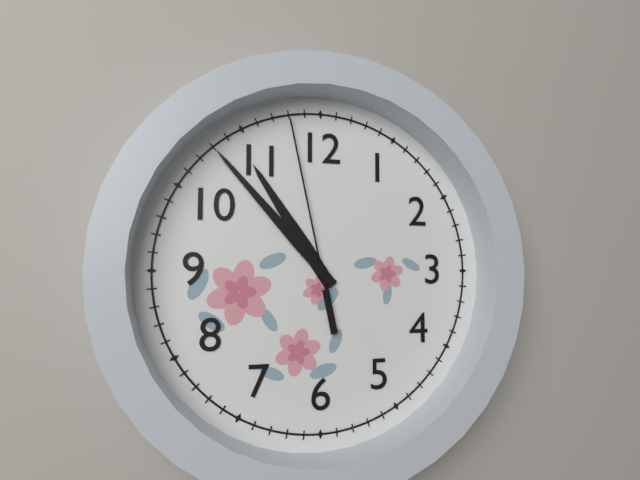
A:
10 h 53 min 58 s
